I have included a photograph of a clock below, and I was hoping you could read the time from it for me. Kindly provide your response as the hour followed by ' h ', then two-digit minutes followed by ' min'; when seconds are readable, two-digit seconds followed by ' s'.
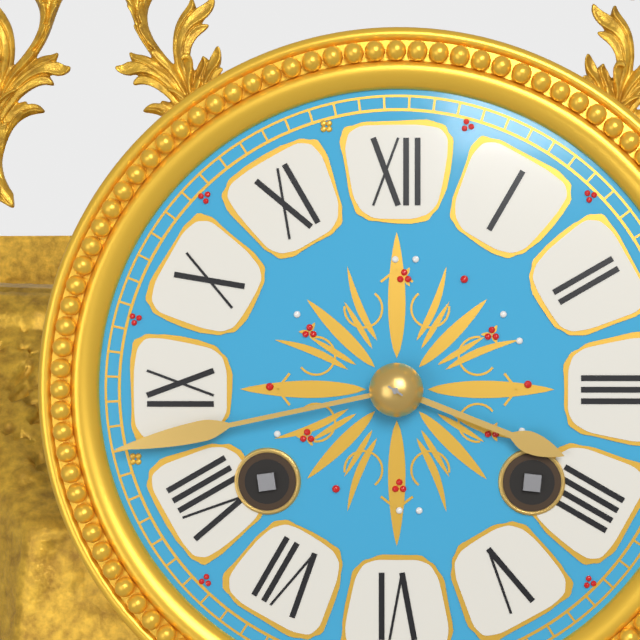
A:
3 h 43 min
